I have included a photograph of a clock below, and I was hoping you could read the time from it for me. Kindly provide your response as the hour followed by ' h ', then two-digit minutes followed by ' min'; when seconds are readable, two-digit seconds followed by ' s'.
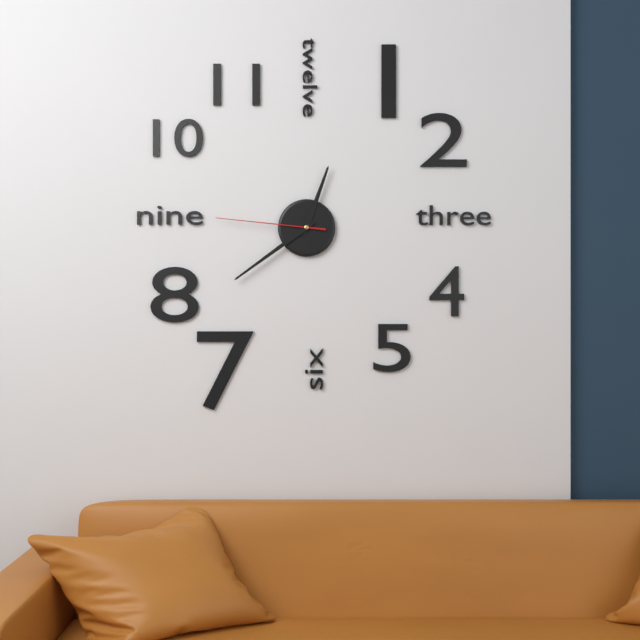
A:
12 h 39 min 46 s
